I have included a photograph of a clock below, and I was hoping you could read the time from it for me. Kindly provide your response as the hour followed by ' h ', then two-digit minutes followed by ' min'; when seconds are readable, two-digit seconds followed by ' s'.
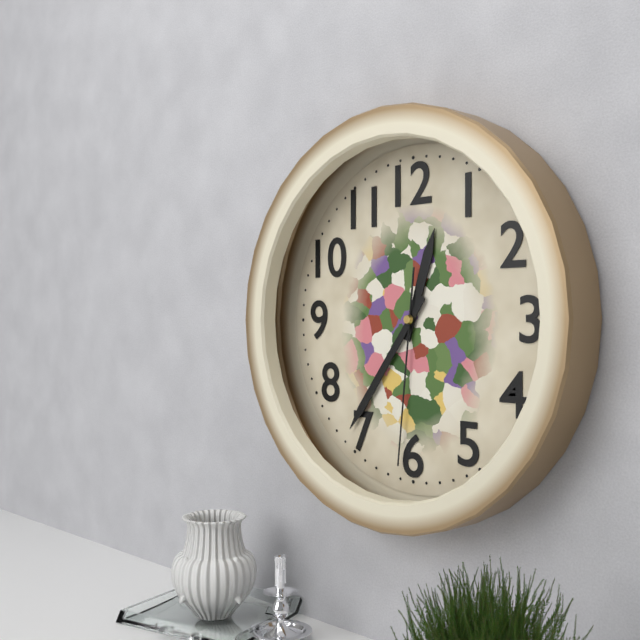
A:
12 h 36 min 31 s
